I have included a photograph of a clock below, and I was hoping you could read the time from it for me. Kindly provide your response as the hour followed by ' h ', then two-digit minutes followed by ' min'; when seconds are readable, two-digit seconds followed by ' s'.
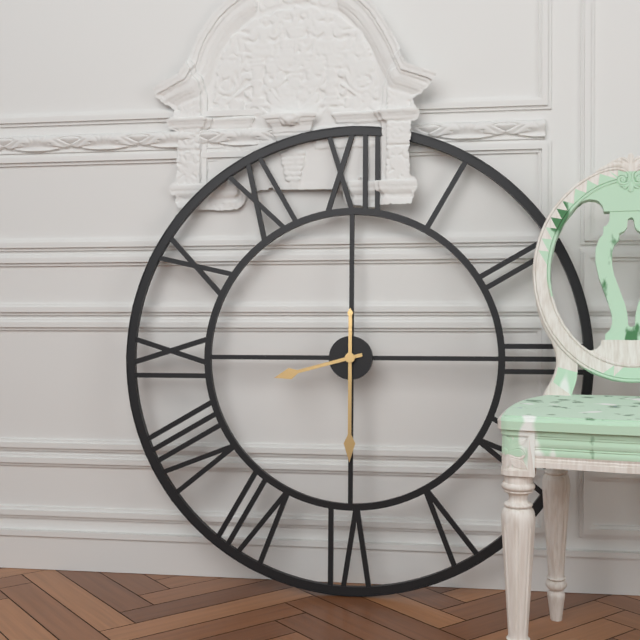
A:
8 h 30 min
